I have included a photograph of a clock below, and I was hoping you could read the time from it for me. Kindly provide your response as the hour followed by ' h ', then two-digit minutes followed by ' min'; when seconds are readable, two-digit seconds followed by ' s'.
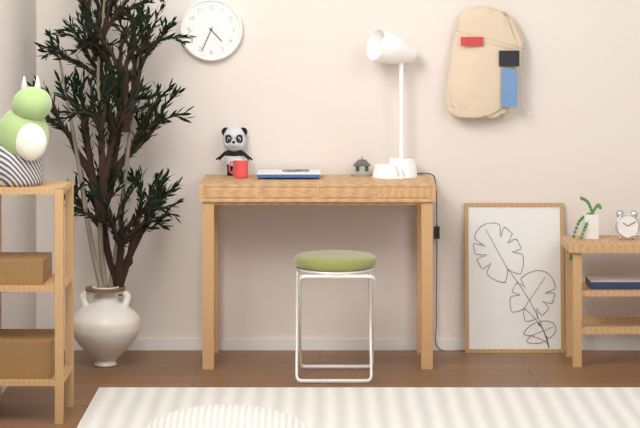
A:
4 h 34 min
